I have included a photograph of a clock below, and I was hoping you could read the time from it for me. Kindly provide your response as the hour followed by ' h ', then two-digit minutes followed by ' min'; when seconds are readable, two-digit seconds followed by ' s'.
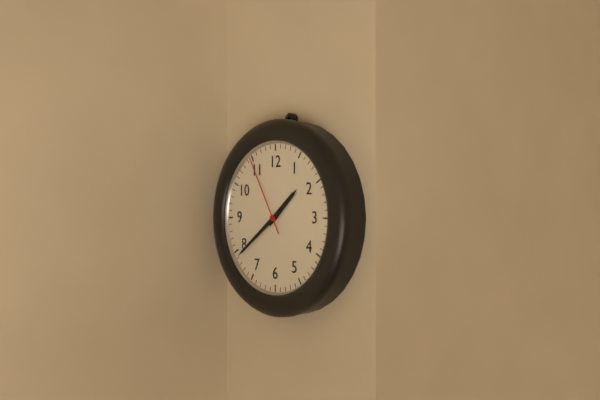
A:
1 h 39 min 55 s
